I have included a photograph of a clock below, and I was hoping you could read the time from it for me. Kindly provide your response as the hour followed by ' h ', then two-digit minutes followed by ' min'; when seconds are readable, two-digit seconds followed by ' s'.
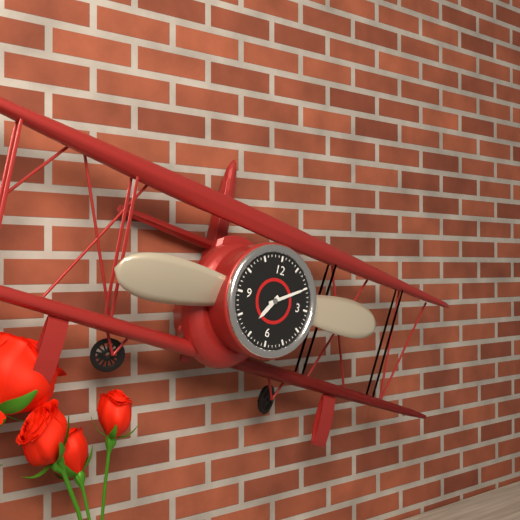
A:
7 h 10 min
